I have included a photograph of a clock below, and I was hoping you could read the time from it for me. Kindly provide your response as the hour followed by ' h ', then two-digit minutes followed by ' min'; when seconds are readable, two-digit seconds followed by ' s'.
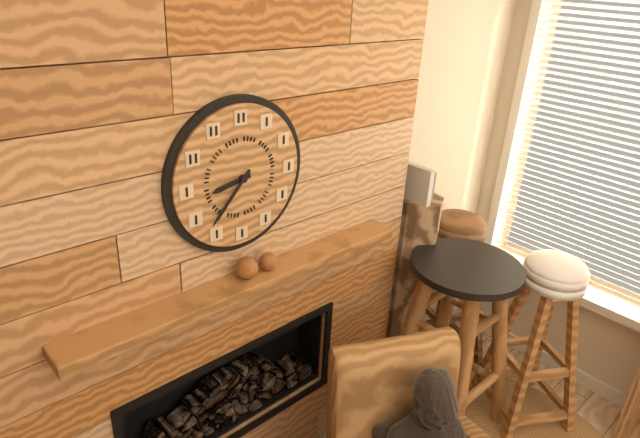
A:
8 h 37 min
